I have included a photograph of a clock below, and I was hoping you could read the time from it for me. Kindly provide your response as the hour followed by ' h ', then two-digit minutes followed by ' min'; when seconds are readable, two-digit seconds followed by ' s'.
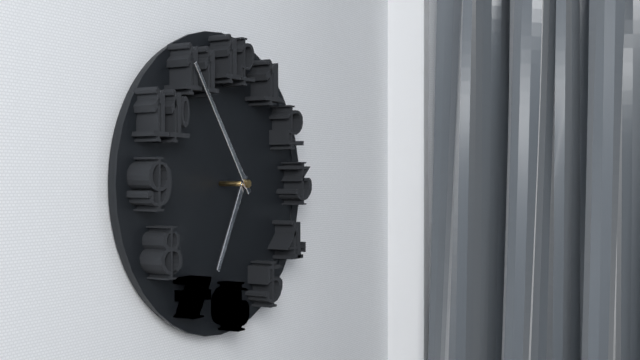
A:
6 h 54 min
